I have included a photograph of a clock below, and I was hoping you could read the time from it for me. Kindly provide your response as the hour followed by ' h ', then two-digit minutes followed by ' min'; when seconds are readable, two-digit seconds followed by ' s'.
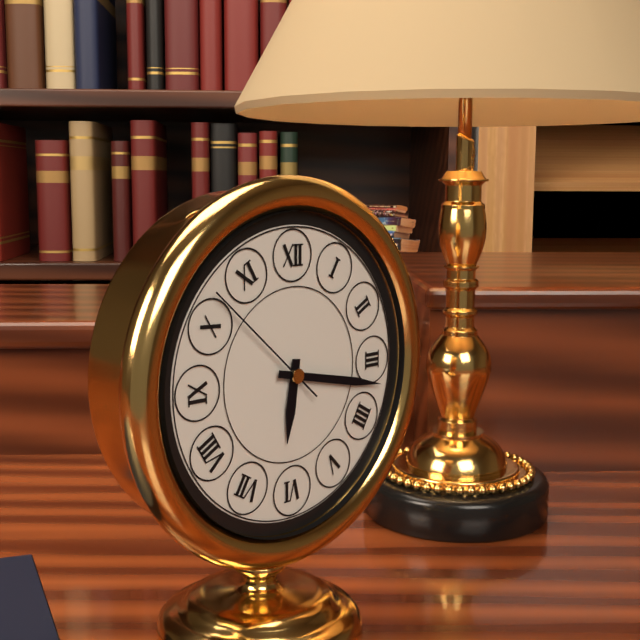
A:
6 h 17 min 52 s
